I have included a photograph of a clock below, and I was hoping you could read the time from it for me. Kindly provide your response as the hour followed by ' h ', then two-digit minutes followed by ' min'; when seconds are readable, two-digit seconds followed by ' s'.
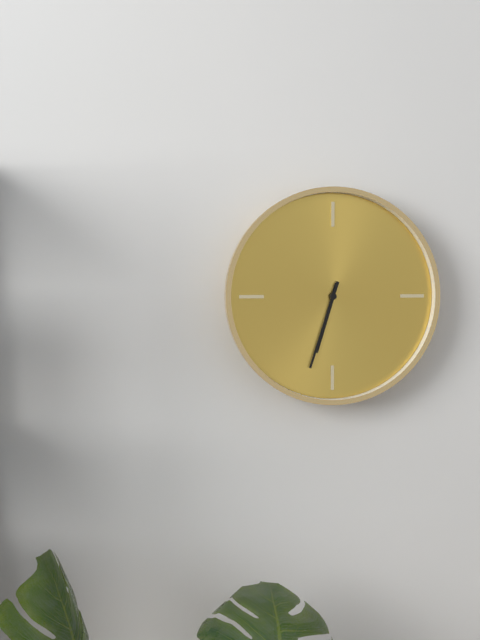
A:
6 h 33 min
